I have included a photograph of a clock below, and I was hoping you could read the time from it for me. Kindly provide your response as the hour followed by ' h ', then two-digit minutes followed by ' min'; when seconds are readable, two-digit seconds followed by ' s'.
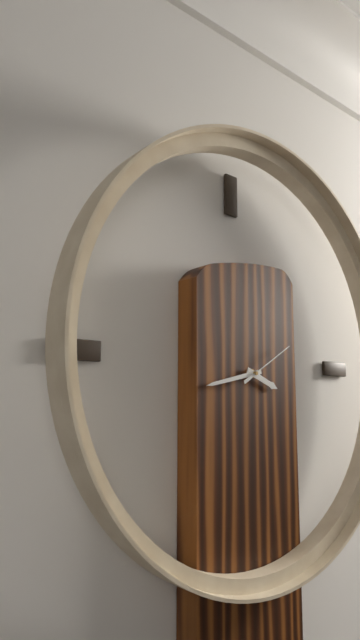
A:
3 h 43 min 10 s
